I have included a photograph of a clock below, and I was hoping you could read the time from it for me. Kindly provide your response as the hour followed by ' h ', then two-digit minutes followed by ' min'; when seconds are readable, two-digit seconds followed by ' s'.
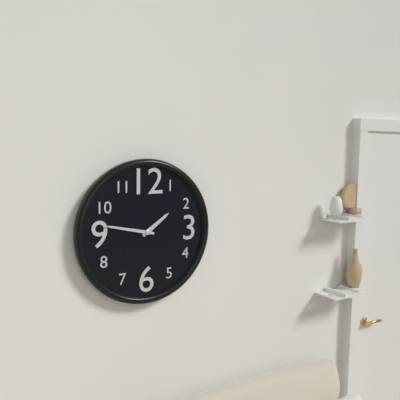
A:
1 h 47 min
